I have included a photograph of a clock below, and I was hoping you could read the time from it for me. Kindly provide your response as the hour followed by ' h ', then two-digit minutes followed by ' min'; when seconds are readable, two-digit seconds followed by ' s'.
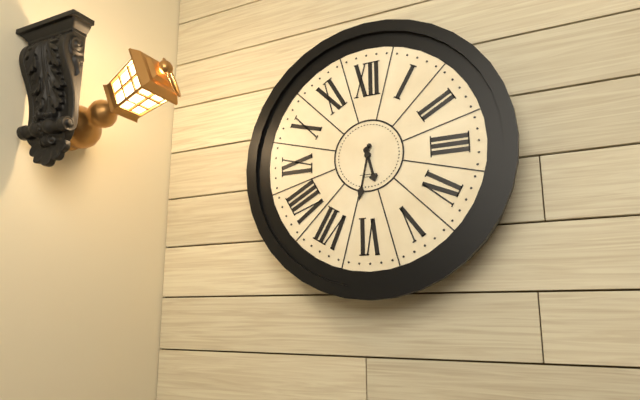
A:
5 h 32 min
